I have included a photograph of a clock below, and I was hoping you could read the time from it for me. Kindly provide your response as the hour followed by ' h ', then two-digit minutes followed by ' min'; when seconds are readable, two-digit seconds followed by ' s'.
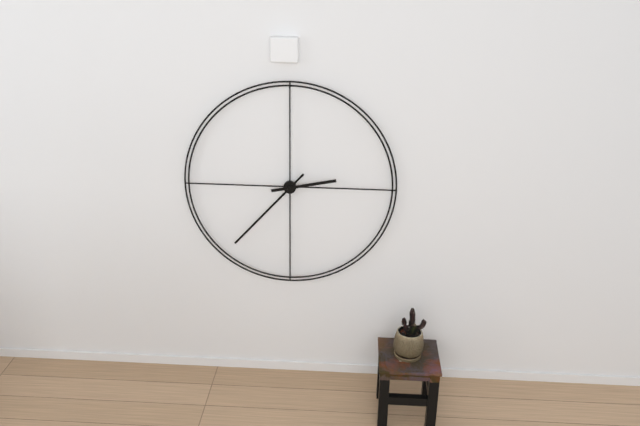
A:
2 h 37 min
